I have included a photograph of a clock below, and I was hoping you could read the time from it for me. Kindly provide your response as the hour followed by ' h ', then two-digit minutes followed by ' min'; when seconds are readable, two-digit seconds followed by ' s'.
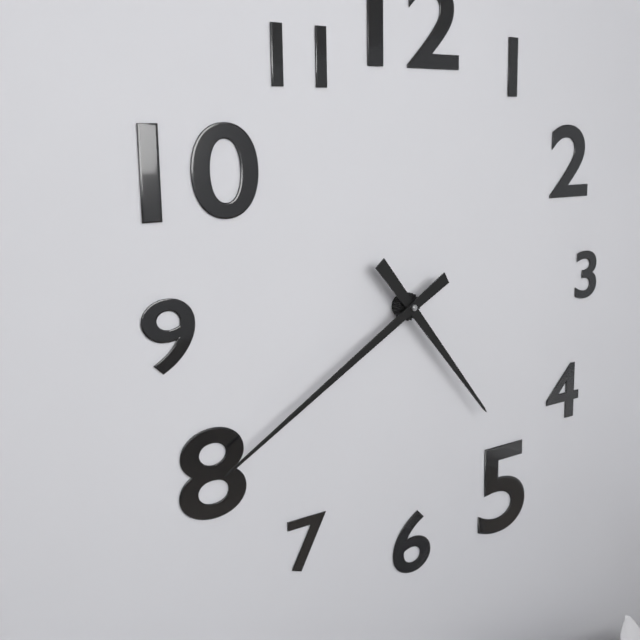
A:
4 h 40 min
